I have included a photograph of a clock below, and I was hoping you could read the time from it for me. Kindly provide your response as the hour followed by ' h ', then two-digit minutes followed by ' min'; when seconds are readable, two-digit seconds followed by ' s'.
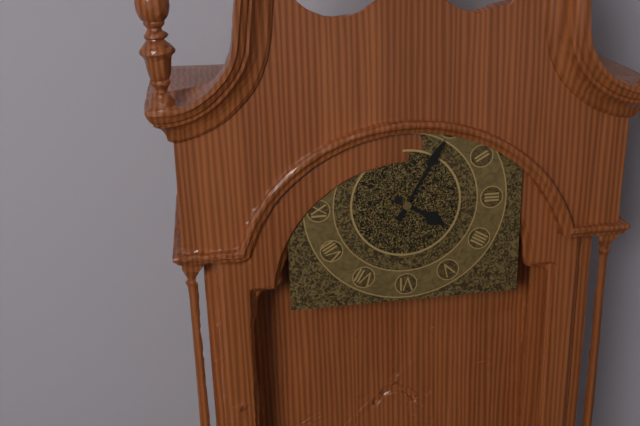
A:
4 h 05 min
